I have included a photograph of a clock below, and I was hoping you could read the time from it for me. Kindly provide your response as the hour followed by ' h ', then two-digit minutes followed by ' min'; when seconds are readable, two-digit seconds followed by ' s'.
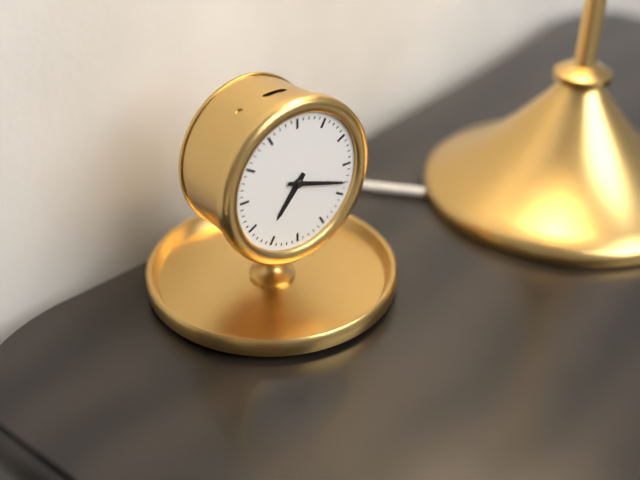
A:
7 h 18 min
